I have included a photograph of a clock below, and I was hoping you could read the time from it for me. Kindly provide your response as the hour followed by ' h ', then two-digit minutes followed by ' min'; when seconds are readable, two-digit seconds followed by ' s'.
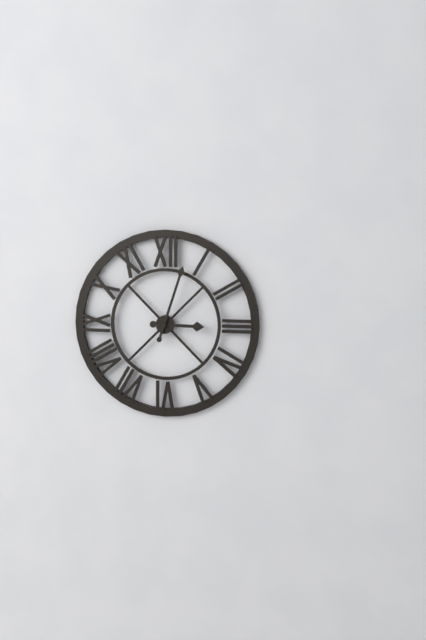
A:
3 h 03 min
